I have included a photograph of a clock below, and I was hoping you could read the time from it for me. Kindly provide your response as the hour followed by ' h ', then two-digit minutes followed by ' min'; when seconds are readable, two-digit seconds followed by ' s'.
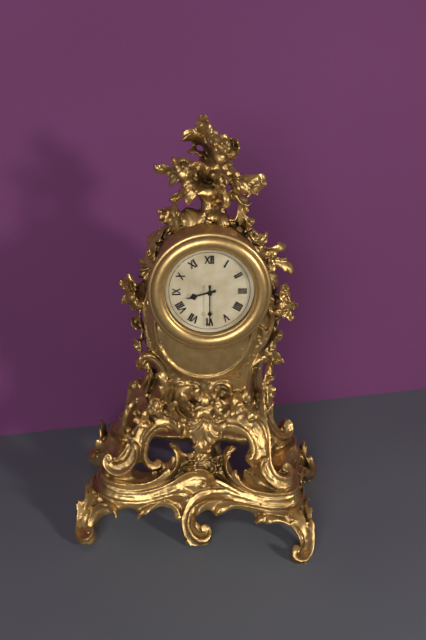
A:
8 h 30 min
